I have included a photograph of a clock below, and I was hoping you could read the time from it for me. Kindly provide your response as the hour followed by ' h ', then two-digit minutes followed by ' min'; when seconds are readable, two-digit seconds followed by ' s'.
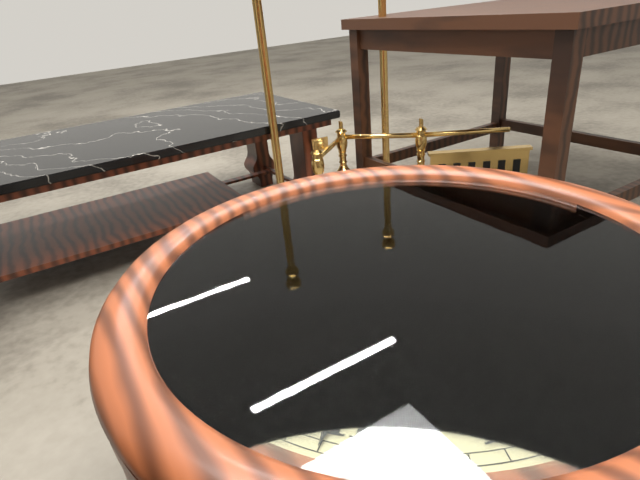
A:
7 h 41 min 15 s
